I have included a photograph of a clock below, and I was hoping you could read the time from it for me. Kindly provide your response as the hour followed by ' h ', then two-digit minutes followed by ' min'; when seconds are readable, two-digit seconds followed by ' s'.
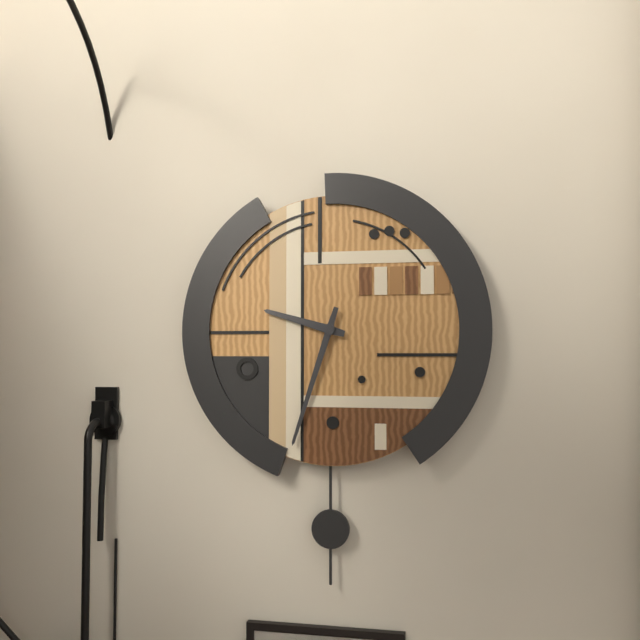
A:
9 h 33 min
